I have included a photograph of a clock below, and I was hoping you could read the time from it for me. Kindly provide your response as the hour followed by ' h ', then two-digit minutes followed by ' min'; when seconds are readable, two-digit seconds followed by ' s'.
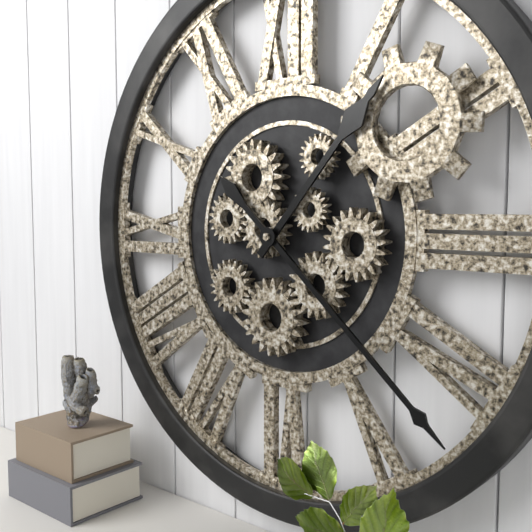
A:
1 h 22 min
